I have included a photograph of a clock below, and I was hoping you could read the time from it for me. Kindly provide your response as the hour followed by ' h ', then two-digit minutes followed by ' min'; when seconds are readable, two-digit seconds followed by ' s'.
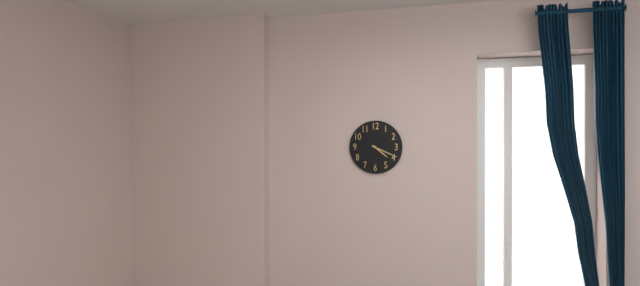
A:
4 h 19 min
